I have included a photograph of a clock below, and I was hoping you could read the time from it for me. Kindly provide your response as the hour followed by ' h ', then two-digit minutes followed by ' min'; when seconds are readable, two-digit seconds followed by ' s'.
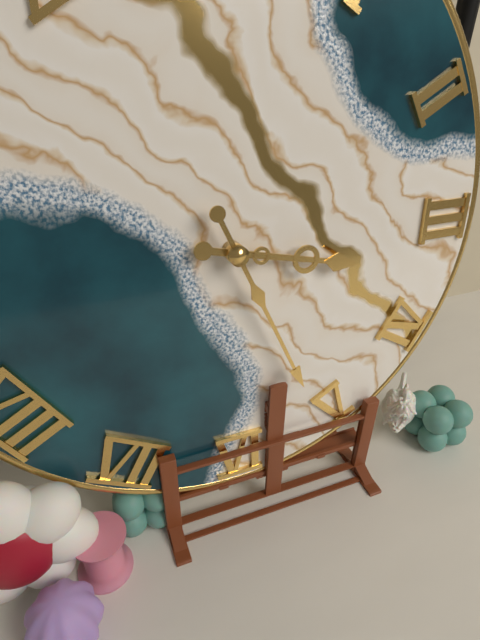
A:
3 h 26 min
